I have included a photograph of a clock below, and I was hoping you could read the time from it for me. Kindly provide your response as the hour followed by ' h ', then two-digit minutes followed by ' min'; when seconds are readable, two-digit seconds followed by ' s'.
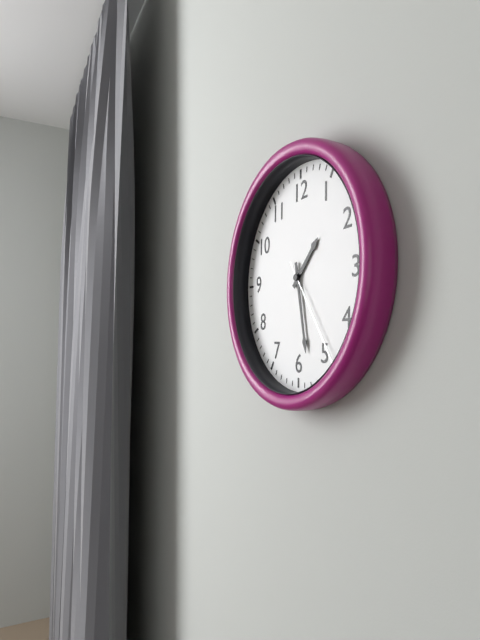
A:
1 h 28 min 24 s
